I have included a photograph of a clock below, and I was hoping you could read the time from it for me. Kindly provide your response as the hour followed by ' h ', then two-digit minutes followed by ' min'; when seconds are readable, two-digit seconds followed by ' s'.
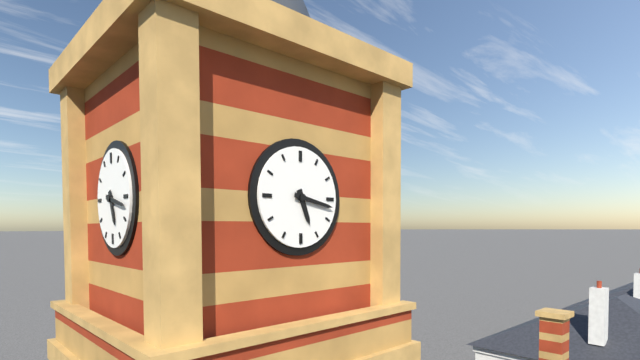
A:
5 h 17 min
